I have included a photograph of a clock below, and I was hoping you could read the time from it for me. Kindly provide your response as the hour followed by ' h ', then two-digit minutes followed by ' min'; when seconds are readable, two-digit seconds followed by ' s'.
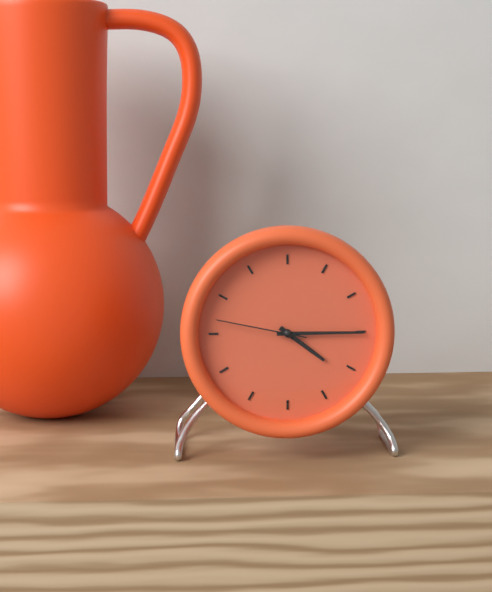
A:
4 h 15 min 47 s
